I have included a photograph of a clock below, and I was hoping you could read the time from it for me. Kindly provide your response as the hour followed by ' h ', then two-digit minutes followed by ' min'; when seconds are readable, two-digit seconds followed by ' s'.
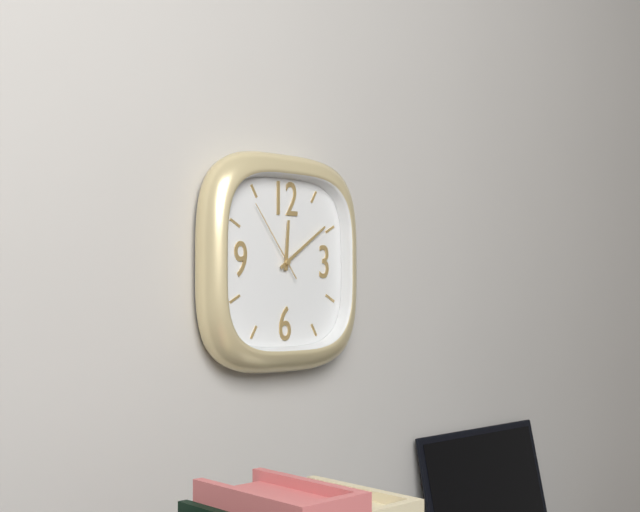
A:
12 h 09 min 54 s
